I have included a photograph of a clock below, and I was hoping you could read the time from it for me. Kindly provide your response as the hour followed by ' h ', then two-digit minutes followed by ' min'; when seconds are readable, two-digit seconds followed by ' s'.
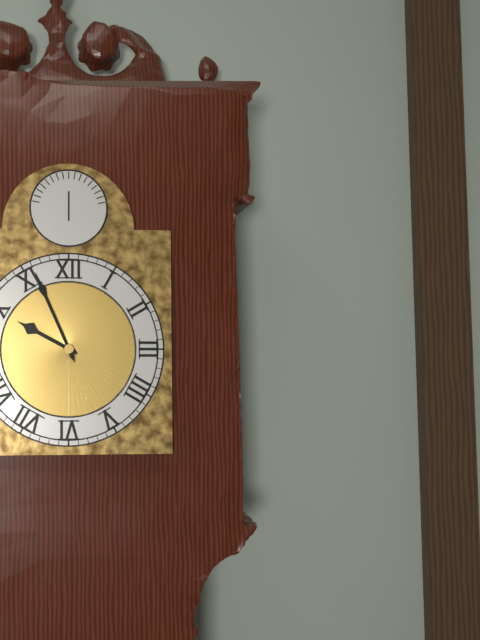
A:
9 h 56 min
